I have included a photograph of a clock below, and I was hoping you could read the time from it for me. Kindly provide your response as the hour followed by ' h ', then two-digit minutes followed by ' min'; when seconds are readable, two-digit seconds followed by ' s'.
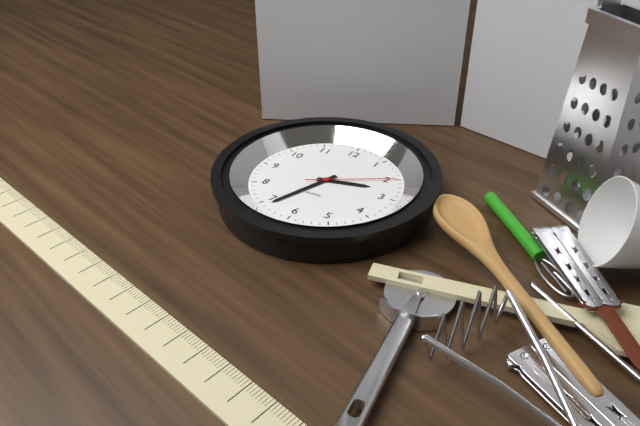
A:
2 h 34 min 10 s
